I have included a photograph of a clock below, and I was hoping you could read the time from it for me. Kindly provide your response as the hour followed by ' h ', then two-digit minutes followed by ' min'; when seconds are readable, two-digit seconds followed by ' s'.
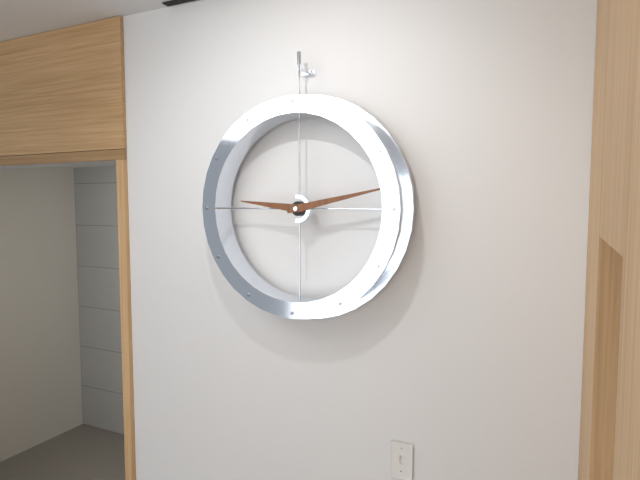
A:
9 h 13 min
